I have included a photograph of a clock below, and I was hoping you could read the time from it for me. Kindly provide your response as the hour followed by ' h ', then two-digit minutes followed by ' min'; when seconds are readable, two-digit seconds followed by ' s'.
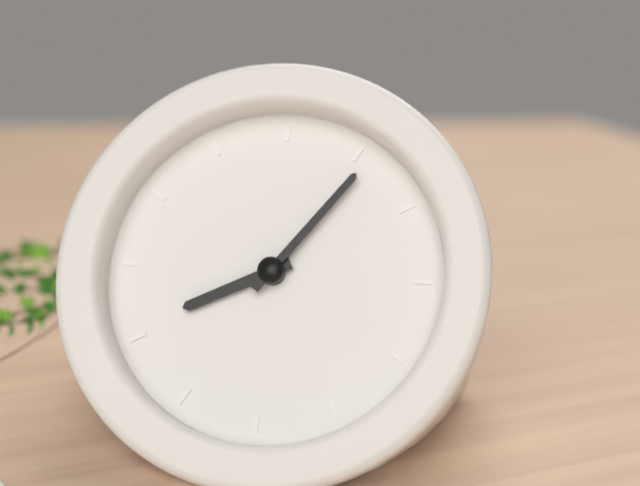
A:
8 h 06 min
